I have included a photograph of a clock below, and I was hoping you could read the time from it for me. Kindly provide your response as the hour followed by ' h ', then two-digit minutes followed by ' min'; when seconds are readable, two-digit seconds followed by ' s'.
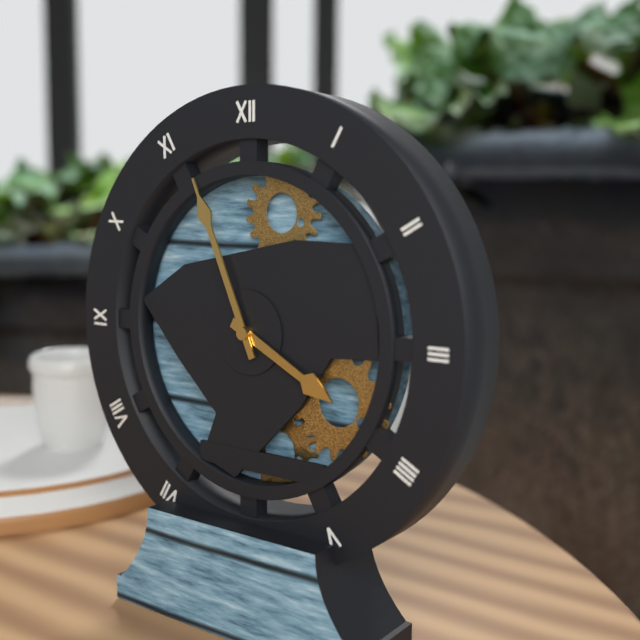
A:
3 h 56 min
